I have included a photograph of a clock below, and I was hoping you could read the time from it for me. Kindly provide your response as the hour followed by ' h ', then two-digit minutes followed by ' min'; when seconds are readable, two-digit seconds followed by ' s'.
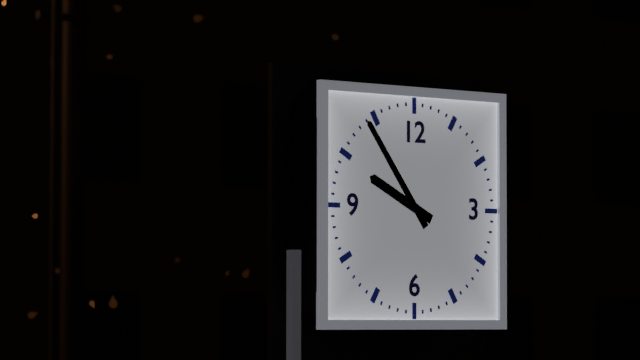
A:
9 h 54 min
